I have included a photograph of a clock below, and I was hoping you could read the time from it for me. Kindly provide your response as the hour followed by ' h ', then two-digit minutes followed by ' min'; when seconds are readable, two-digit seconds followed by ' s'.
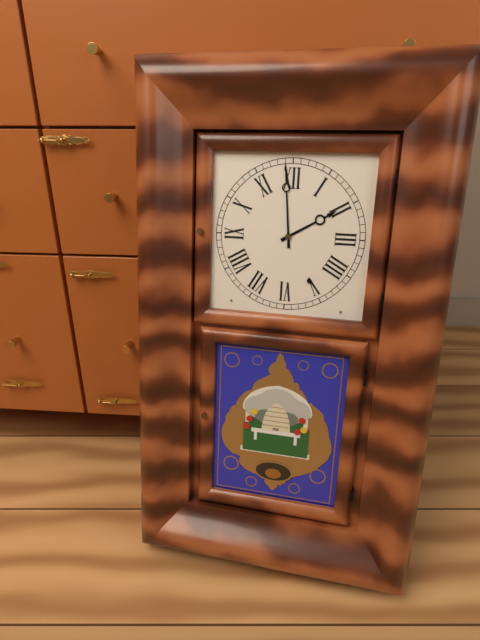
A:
1 h 59 min
